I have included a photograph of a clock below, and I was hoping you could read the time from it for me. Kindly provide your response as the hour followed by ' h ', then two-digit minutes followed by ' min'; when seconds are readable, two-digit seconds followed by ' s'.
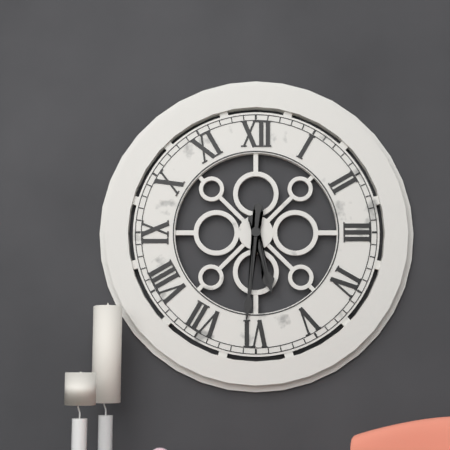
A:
5 h 31 min
